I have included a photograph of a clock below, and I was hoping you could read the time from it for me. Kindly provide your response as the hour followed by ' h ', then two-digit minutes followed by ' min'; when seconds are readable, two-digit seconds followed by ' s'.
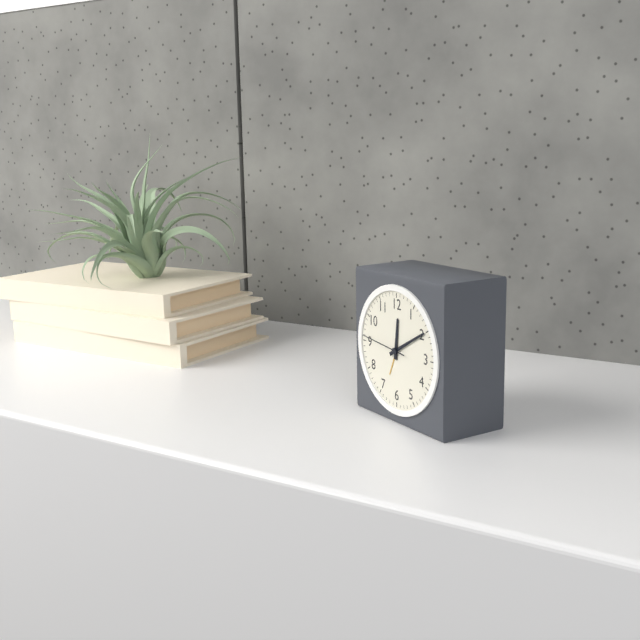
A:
12 h 10 min
